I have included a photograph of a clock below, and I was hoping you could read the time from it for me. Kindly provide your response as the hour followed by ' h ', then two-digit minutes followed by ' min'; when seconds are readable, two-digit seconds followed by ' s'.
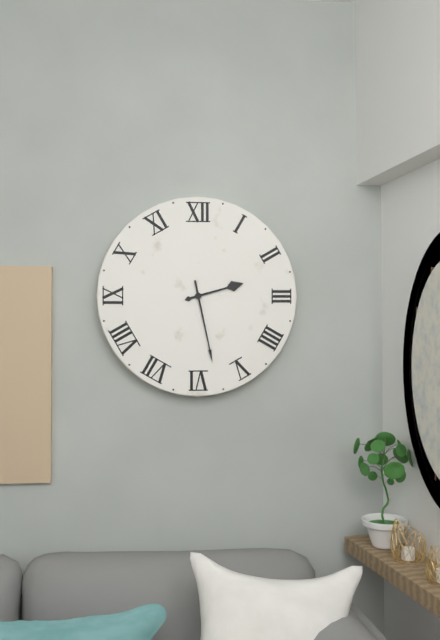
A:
2 h 28 min
